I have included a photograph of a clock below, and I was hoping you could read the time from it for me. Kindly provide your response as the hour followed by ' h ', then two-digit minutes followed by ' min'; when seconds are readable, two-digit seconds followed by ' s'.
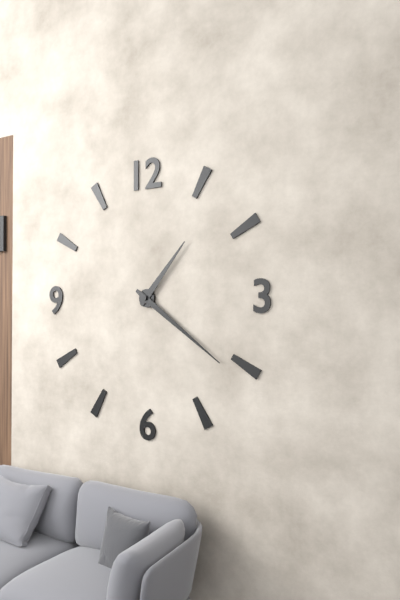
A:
1 h 21 min
